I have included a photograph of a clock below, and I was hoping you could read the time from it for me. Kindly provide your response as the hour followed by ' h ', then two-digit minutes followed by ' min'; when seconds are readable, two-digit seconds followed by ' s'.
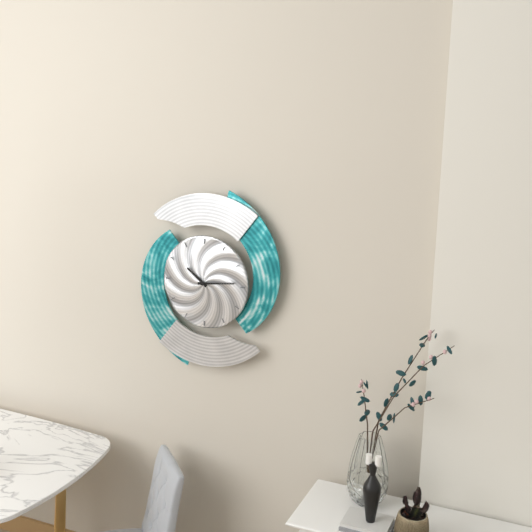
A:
10 h 14 min
